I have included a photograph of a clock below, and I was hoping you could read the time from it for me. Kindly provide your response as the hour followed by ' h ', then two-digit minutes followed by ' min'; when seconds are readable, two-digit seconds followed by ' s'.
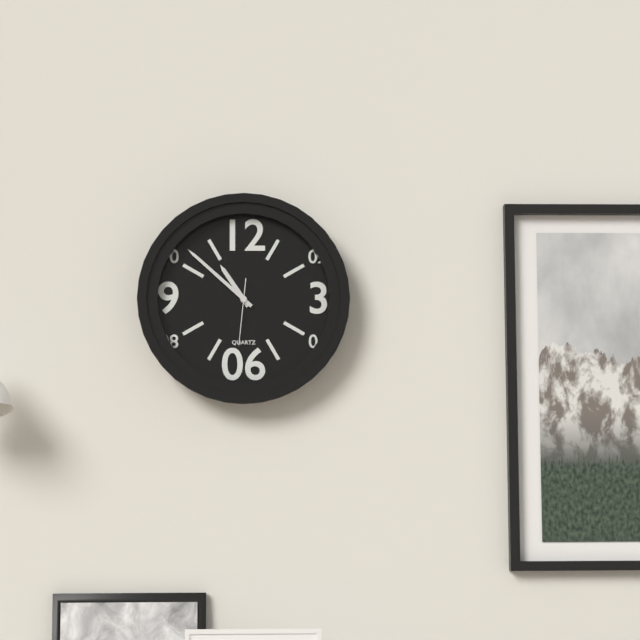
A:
10 h 52 min 31 s
